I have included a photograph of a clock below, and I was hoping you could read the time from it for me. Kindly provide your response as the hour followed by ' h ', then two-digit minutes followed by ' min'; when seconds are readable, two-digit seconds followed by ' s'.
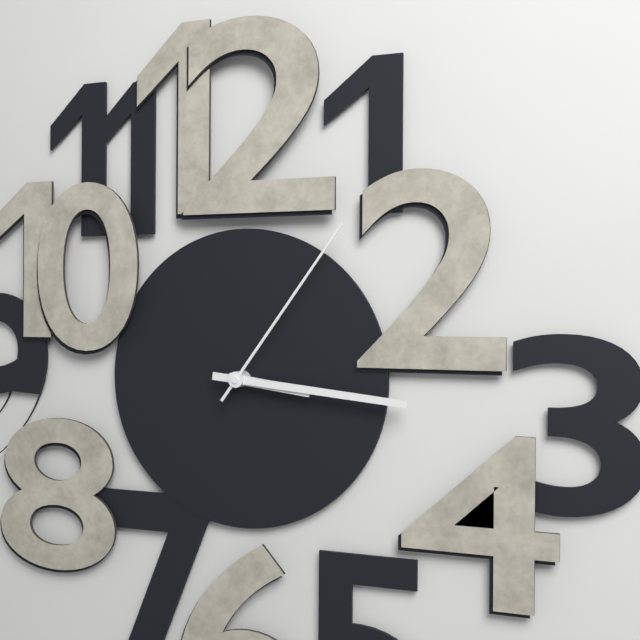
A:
3 h 16 min 06 s
